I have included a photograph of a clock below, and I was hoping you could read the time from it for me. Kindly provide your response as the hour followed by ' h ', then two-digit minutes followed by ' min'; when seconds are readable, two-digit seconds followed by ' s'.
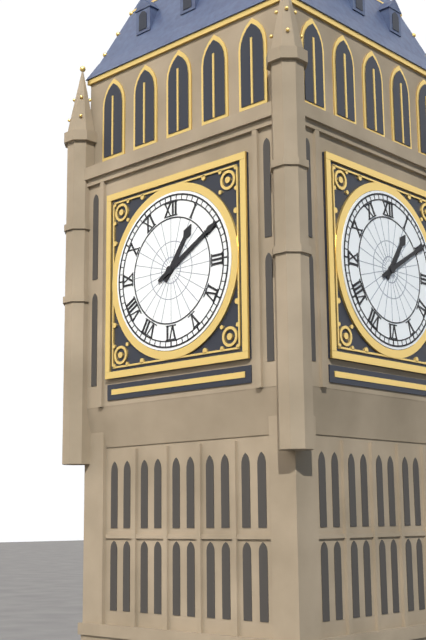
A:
1 h 10 min
